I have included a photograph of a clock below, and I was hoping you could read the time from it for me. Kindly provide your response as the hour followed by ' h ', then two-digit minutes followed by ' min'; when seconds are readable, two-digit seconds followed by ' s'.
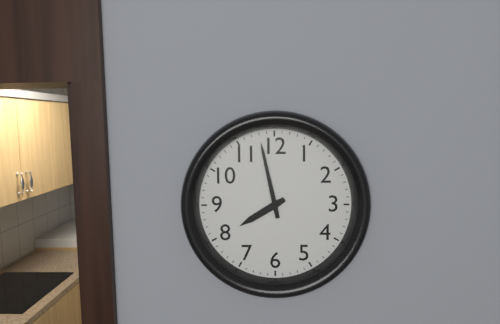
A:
7 h 58 min
